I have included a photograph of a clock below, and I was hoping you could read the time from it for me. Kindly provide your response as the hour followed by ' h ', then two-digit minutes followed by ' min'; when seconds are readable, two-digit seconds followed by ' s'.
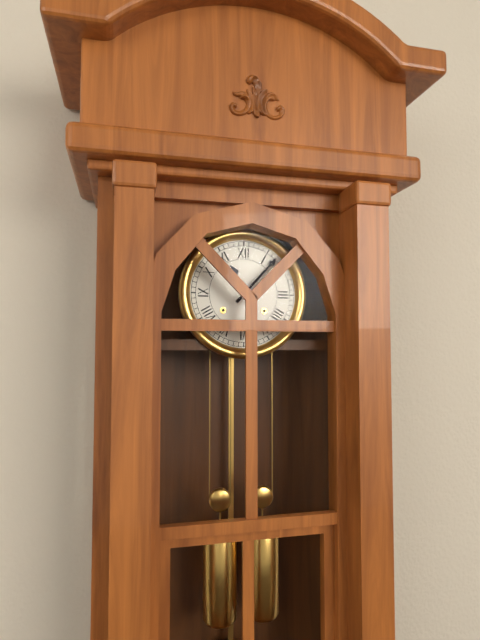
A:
11 h 07 min
